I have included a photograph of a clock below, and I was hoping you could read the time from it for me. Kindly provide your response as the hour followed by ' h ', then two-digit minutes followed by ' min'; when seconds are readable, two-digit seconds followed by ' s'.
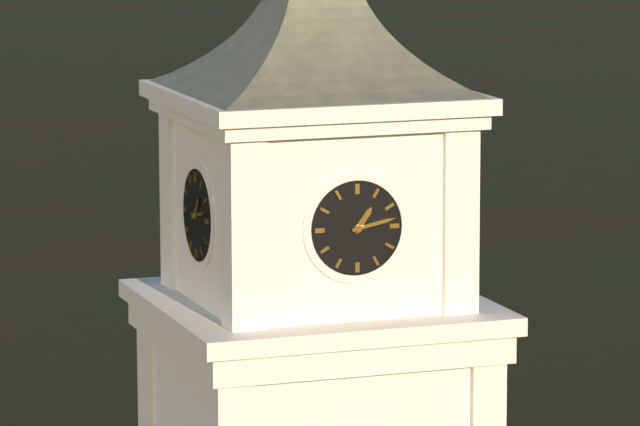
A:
1 h 13 min
